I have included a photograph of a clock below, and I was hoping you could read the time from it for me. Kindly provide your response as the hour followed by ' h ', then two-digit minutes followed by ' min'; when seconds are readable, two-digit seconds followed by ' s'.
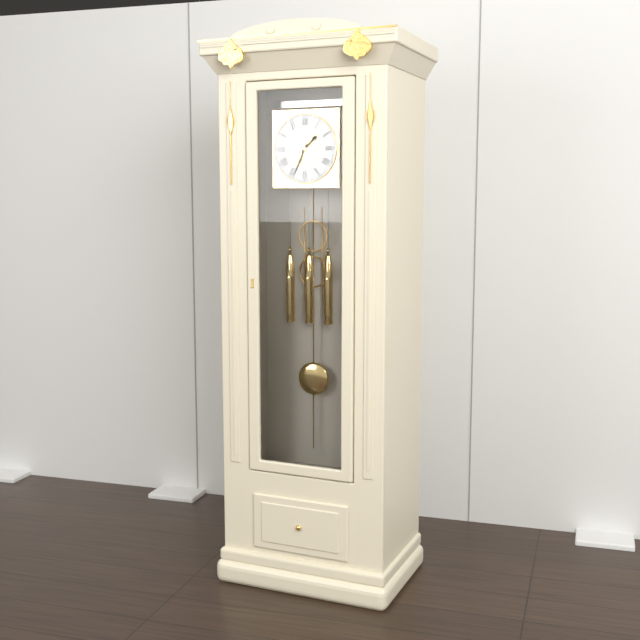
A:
1 h 34 min
